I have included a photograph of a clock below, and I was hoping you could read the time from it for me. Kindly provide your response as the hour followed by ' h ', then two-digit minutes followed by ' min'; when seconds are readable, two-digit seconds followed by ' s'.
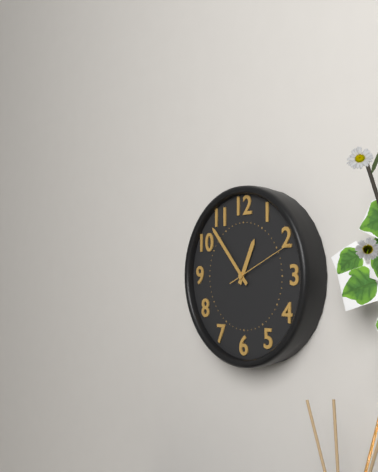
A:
12 h 53 min 11 s
